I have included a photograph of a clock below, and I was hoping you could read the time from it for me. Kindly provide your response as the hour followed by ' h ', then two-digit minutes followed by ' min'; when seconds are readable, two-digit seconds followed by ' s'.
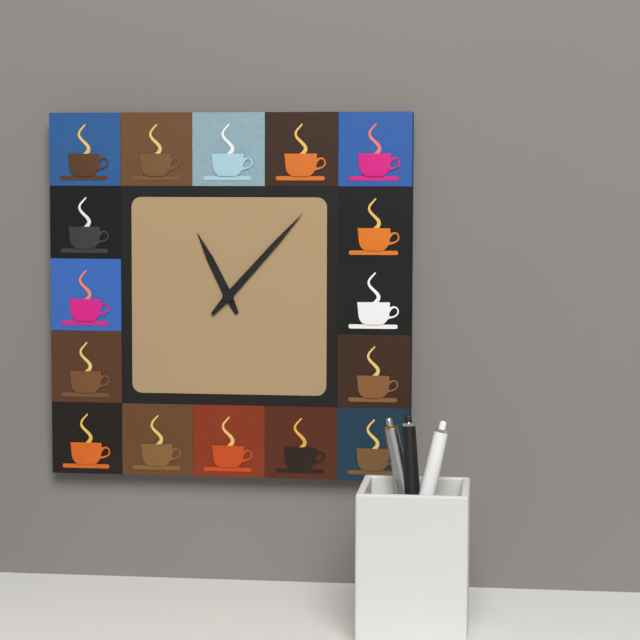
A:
11 h 07 min
